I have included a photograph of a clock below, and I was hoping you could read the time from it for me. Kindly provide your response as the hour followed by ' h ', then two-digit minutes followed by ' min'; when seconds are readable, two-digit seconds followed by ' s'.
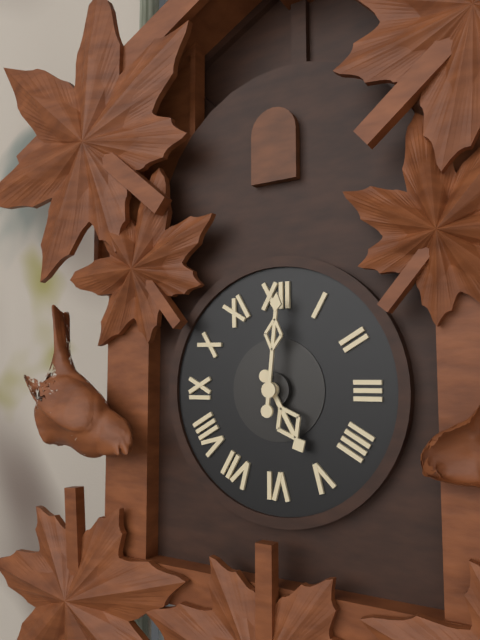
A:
5 h 01 min
